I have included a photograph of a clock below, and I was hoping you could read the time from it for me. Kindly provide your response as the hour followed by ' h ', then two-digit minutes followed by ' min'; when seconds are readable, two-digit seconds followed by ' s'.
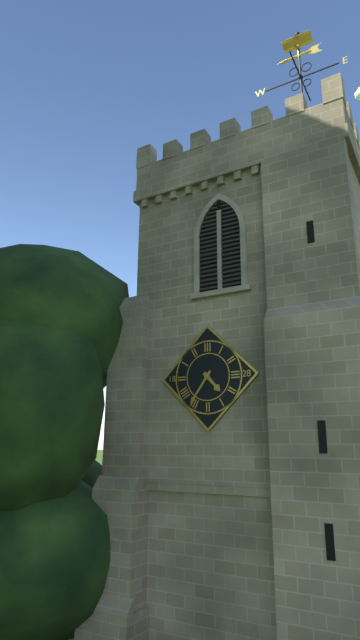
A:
4 h 36 min
